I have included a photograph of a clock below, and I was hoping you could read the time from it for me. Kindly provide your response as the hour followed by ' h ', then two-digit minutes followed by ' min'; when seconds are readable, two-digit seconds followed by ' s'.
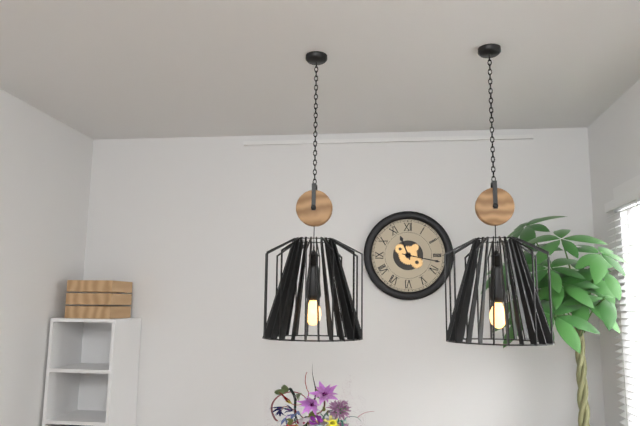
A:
11 h 17 min
